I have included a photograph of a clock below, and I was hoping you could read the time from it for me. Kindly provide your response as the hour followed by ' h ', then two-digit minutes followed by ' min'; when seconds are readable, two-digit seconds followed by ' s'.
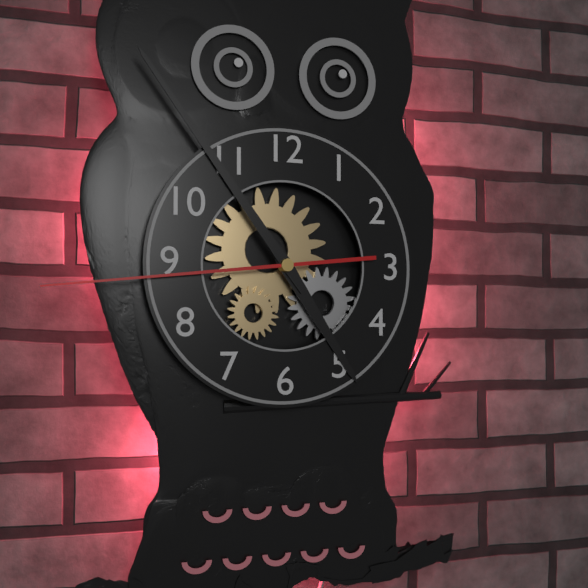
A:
4 h 54 min 44 s
